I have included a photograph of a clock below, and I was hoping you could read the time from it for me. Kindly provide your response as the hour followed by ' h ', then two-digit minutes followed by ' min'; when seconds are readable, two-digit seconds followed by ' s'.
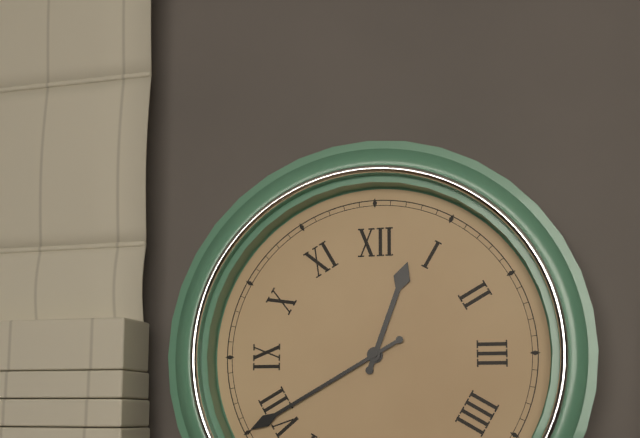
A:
12 h 40 min
